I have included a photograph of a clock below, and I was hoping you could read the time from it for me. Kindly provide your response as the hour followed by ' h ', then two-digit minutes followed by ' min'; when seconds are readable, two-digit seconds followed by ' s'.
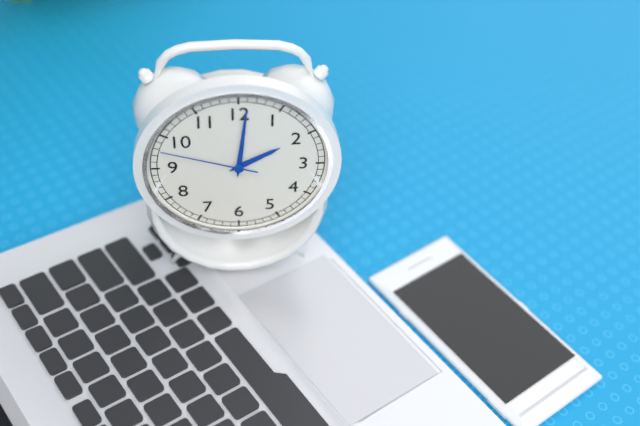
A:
2 h 01 min 48 s
